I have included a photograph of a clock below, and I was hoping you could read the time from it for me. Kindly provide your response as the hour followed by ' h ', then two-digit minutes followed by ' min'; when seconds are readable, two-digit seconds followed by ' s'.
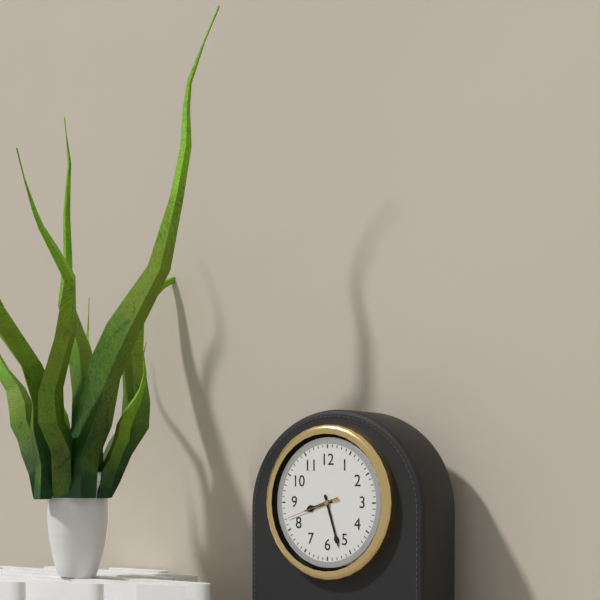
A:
8 h 27 min 42 s
